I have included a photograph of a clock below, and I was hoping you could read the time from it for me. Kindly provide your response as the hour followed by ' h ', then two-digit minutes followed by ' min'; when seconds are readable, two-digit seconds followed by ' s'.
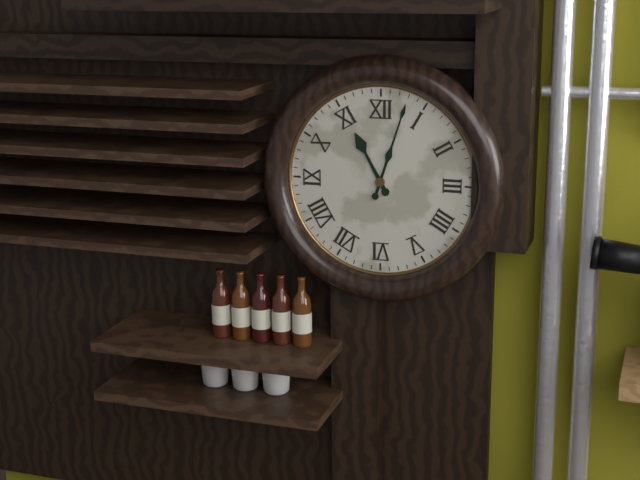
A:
11 h 03 min
